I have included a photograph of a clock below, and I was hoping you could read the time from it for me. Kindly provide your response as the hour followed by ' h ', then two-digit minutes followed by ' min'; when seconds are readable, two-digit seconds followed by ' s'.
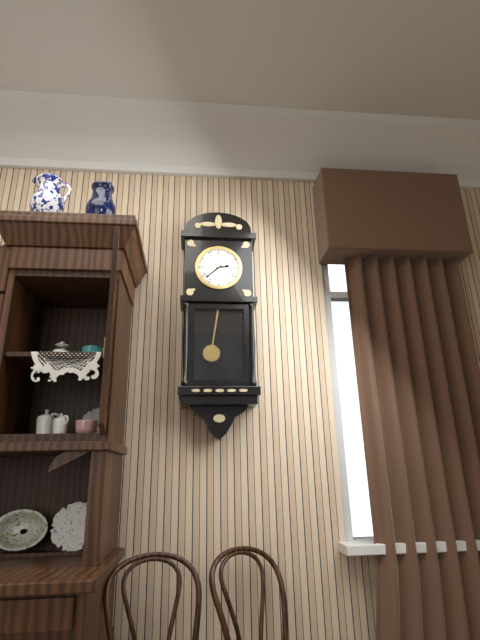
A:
2 h 38 min
